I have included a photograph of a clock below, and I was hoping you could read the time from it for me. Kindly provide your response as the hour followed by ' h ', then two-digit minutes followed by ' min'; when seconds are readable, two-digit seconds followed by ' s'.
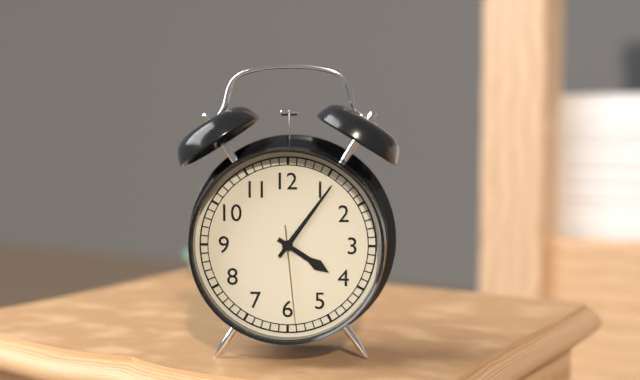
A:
4 h 06 min 29 s
